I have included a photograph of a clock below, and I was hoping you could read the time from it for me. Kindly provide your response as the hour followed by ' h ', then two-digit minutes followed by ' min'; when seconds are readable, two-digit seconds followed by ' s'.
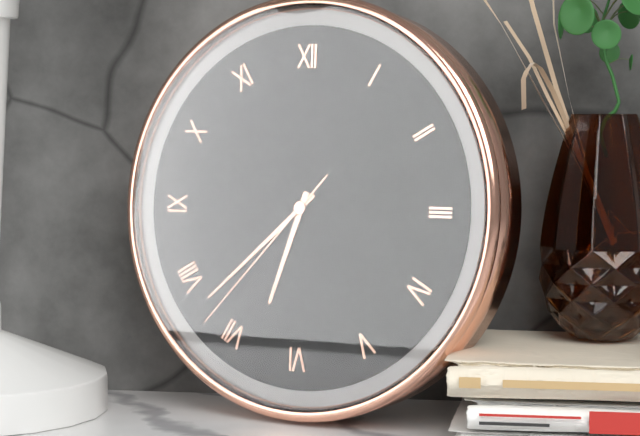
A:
6 h 38 min 37 s
